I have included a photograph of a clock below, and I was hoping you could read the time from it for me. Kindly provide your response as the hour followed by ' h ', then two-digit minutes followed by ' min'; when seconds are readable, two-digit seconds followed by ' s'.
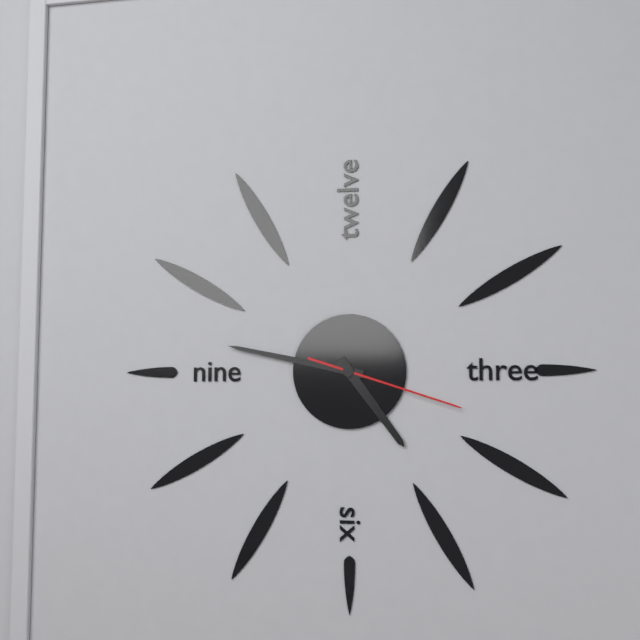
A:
4 h 47 min 18 s
